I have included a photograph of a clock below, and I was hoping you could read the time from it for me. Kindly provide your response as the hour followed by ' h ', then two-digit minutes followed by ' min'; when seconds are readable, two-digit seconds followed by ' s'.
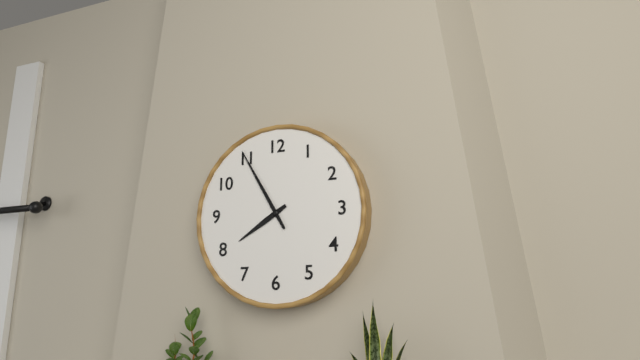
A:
7 h 55 min
